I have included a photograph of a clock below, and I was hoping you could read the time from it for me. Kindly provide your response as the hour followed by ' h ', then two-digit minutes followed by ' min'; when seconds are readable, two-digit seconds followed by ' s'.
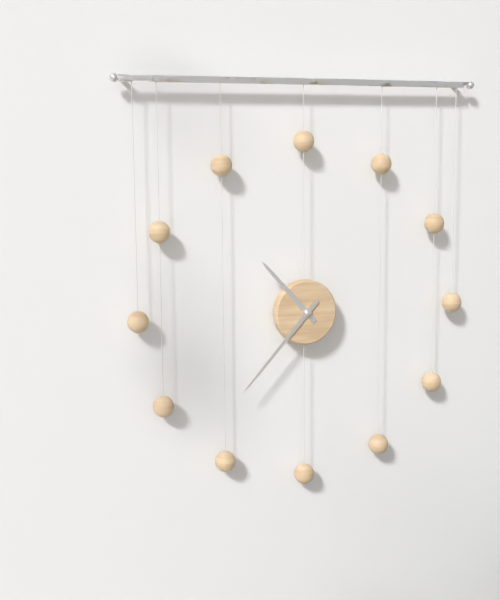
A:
10 h 37 min
